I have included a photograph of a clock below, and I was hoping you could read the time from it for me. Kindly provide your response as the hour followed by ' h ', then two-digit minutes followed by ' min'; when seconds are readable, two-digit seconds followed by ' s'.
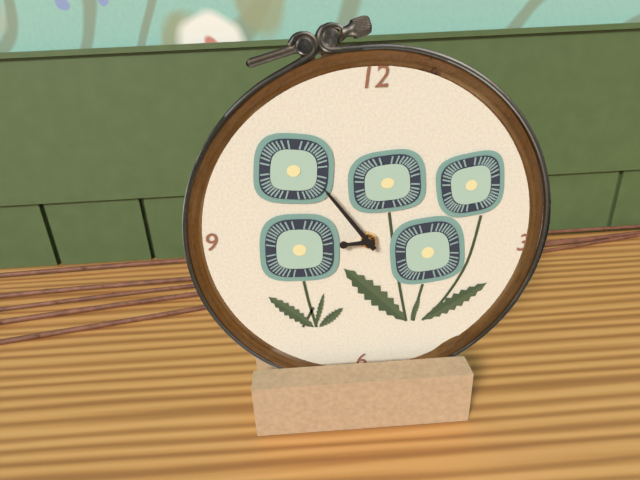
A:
8 h 54 min
